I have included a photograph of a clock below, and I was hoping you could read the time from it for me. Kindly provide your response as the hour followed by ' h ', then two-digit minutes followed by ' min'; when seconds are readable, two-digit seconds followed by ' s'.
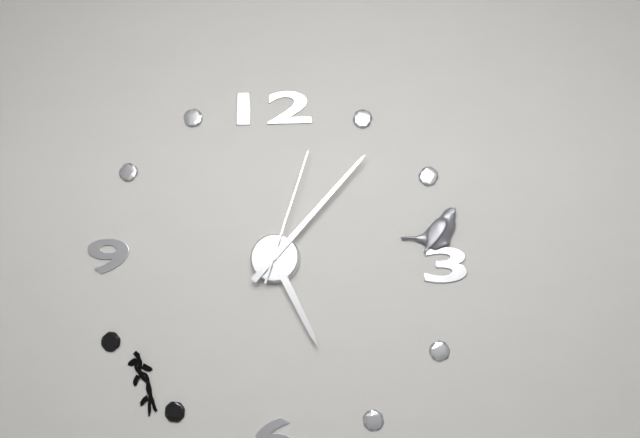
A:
5 h 07 min 03 s
